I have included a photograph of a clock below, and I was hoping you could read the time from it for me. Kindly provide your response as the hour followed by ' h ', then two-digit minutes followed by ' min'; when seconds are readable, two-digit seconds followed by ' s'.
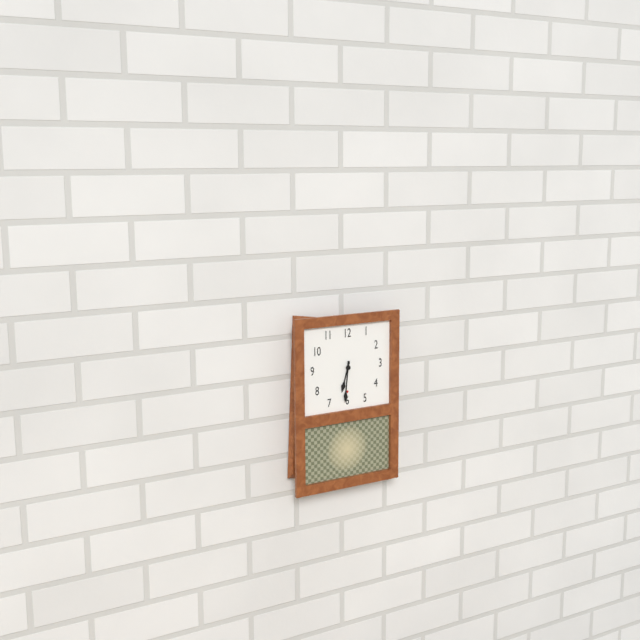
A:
6 h 31 min
